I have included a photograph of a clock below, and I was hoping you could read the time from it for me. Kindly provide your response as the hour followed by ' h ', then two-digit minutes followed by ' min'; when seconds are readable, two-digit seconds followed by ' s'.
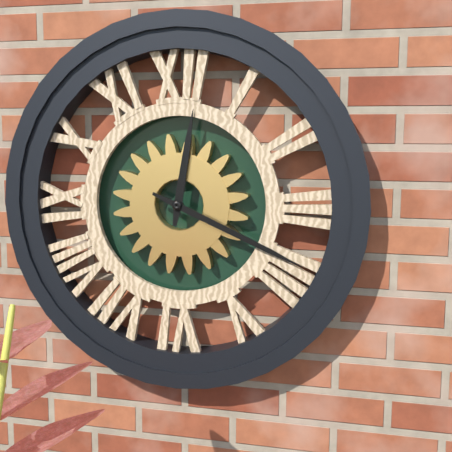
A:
12 h 19 min
